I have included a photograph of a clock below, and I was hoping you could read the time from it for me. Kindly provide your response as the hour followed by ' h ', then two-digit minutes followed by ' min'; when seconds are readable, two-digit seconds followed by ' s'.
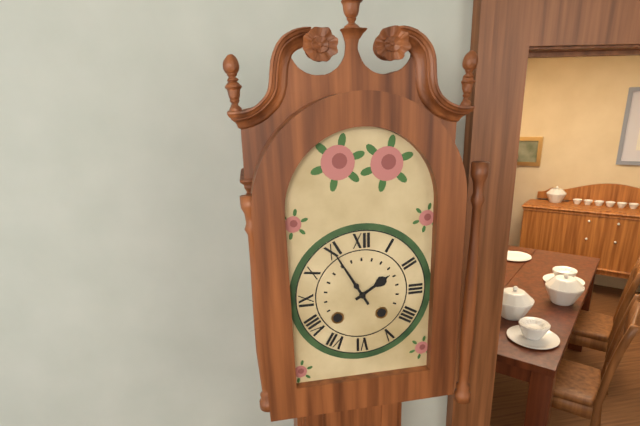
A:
1 h 55 min
